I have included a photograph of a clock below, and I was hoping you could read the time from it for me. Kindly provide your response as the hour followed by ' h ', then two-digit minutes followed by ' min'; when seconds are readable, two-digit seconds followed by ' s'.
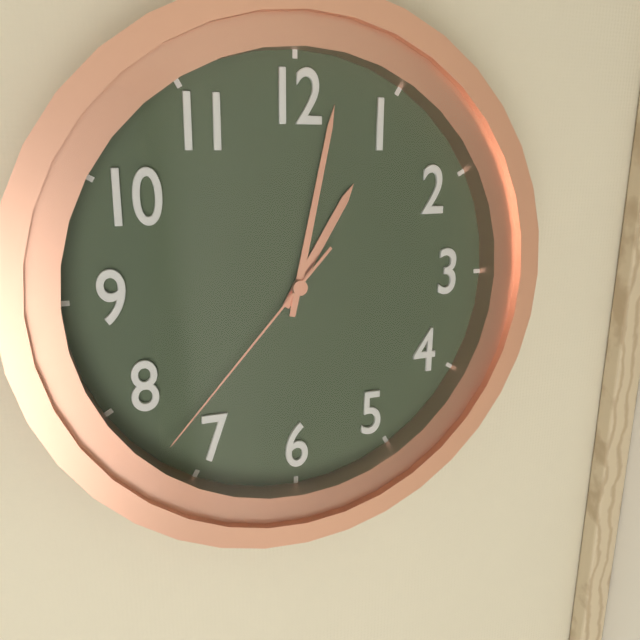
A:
1 h 02 min 37 s
